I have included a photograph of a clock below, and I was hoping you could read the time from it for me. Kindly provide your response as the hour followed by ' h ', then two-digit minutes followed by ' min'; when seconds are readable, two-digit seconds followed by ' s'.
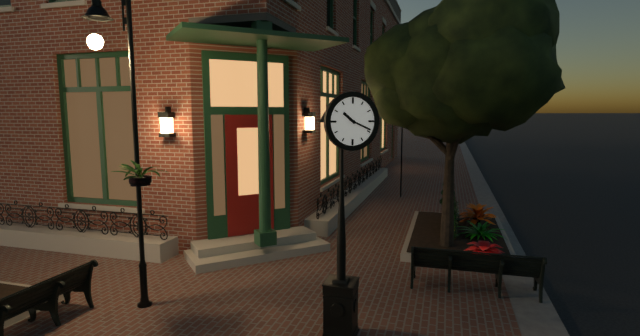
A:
10 h 19 min
